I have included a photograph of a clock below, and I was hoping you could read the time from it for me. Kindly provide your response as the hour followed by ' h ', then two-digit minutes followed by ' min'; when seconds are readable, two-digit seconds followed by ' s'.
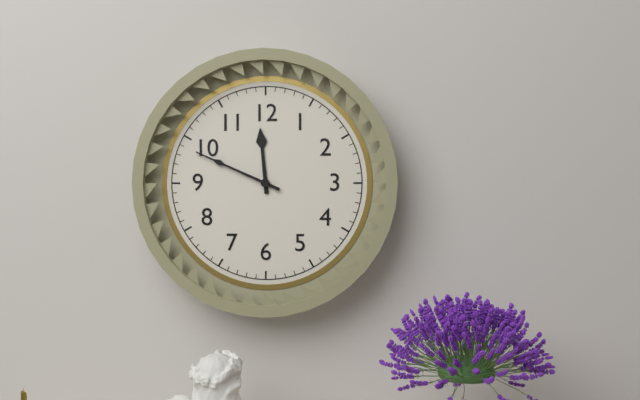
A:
11 h 49 min
